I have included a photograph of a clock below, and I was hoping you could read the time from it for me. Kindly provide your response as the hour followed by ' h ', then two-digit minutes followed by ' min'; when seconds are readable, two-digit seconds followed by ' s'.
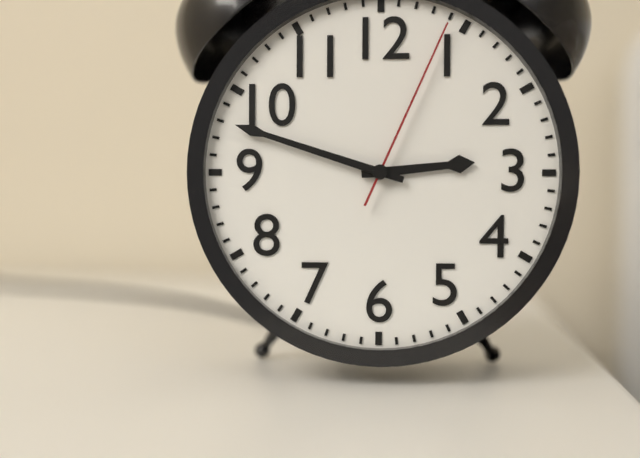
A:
2 h 48 min 04 s
